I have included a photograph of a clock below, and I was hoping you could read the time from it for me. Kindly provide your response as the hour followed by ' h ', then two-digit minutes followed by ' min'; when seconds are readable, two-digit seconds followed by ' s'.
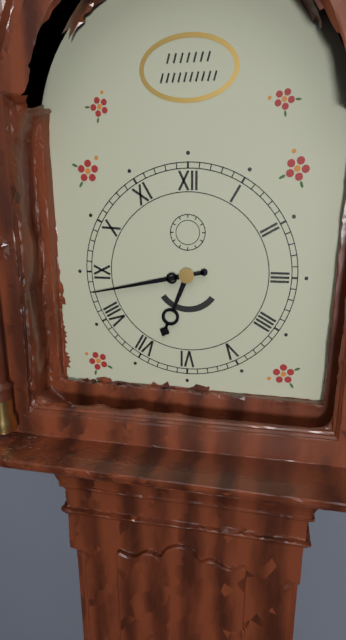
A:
6 h 43 min
